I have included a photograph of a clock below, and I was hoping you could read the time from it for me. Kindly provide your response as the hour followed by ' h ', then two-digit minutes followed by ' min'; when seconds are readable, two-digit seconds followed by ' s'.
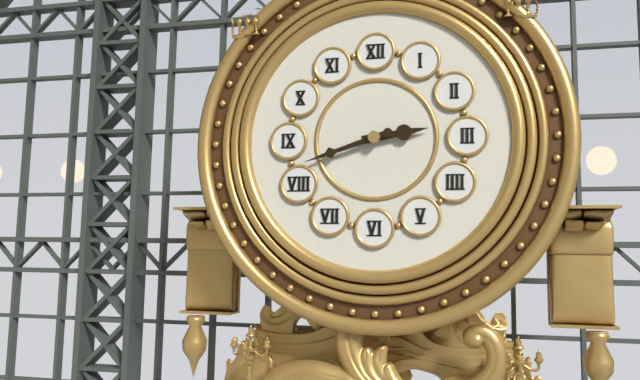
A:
2 h 42 min
